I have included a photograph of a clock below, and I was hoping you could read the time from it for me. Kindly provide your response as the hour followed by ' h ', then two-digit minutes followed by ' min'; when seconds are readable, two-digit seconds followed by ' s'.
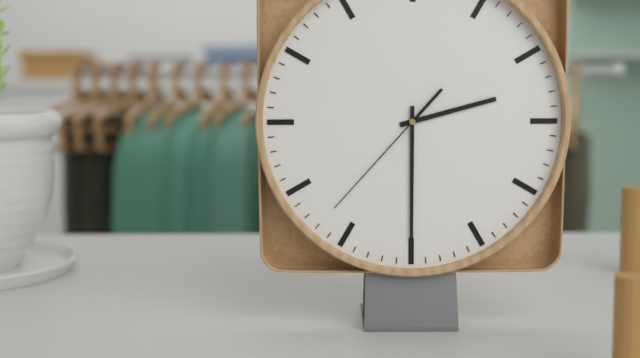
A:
2 h 30 min 37 s
